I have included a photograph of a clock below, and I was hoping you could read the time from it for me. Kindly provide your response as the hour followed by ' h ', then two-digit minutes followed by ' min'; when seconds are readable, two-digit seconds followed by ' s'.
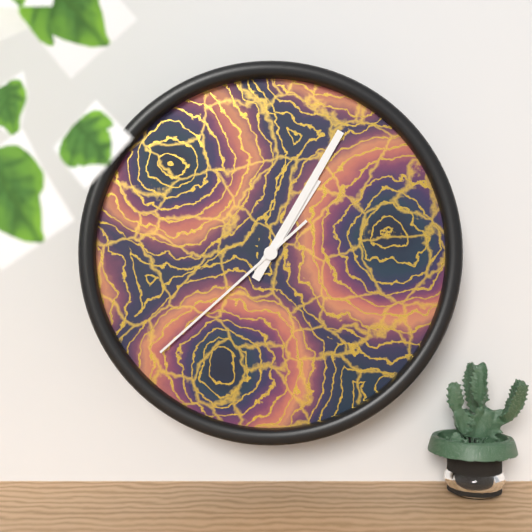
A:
1 h 05 min 38 s
